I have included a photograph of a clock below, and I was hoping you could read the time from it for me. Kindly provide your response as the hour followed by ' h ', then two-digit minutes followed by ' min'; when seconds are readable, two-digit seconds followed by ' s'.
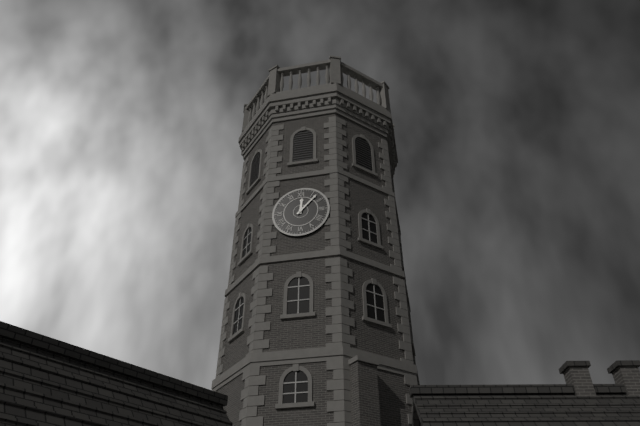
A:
12 h 07 min
